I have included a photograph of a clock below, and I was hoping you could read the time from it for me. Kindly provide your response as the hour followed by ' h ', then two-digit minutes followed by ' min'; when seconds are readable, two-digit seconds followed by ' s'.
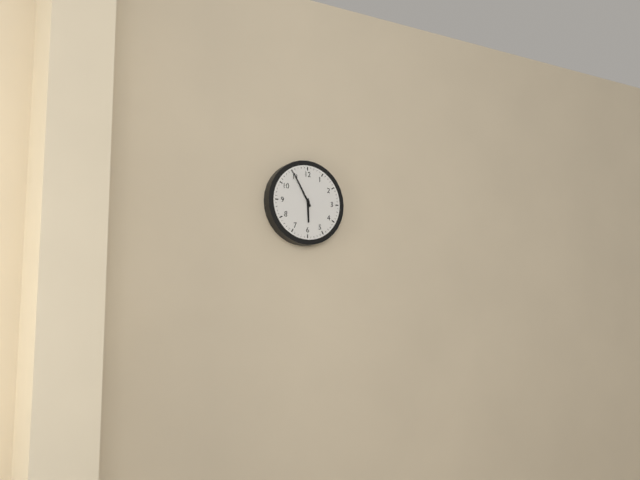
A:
5 h 55 min
